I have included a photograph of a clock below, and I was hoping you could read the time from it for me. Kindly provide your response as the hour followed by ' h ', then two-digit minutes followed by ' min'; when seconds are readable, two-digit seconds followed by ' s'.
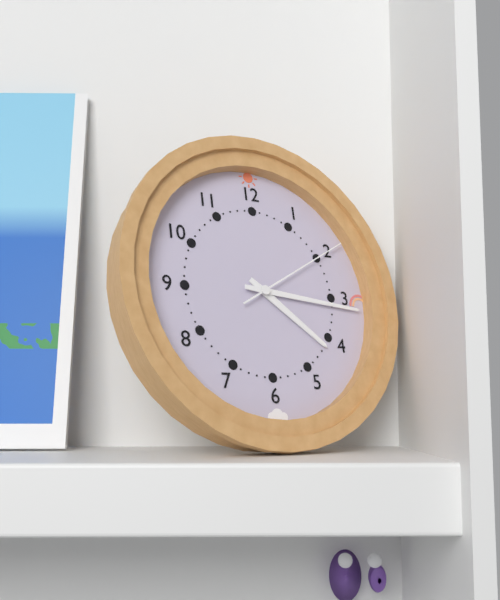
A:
4 h 16 min 10 s
